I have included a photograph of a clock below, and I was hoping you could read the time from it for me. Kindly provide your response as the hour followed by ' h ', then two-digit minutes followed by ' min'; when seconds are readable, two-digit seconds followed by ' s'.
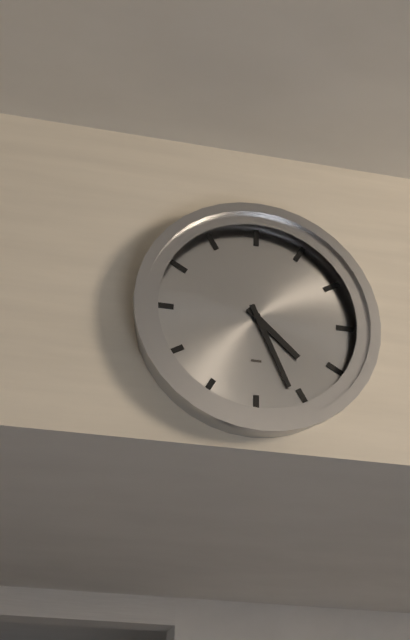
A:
4 h 26 min
